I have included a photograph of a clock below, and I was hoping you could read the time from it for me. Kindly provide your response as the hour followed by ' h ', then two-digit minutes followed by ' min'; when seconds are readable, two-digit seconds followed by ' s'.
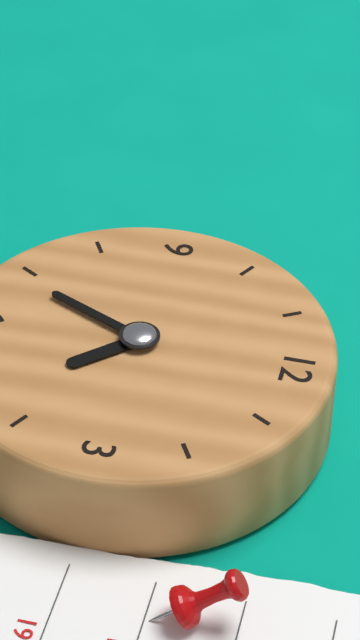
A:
4 h 34 min
